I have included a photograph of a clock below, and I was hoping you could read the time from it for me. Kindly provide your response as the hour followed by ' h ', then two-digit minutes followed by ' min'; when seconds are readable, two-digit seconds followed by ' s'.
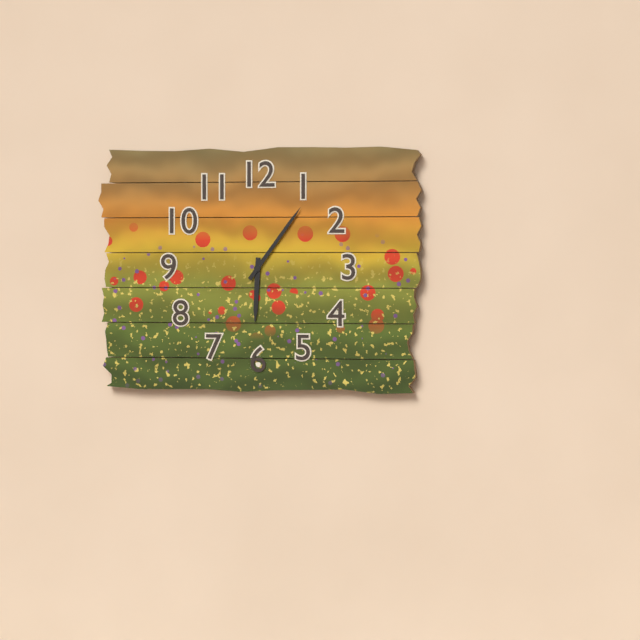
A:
6 h 06 min
